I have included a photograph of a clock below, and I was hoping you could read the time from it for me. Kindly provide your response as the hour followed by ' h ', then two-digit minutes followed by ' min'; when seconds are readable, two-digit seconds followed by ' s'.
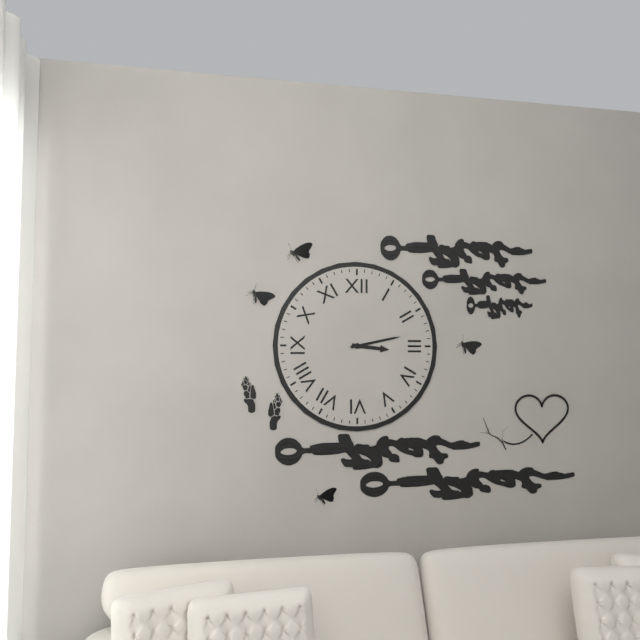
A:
3 h 13 min
